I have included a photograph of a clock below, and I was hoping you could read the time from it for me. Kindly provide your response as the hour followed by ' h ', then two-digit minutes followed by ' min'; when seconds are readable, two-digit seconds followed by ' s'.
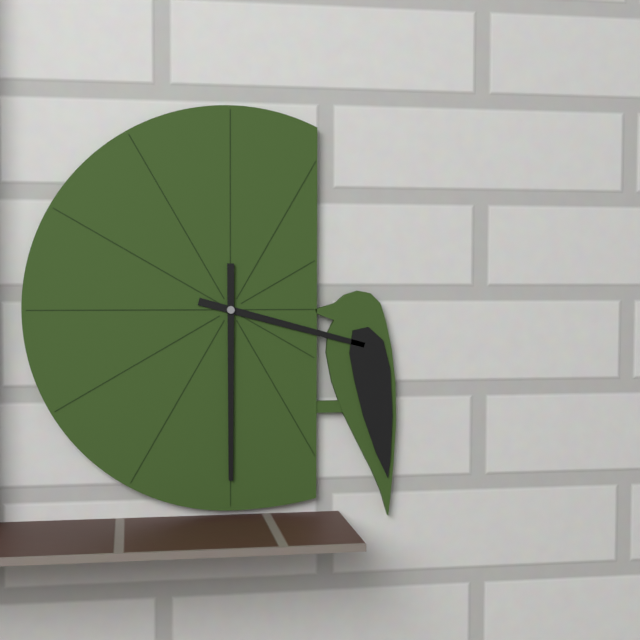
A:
3 h 30 min
